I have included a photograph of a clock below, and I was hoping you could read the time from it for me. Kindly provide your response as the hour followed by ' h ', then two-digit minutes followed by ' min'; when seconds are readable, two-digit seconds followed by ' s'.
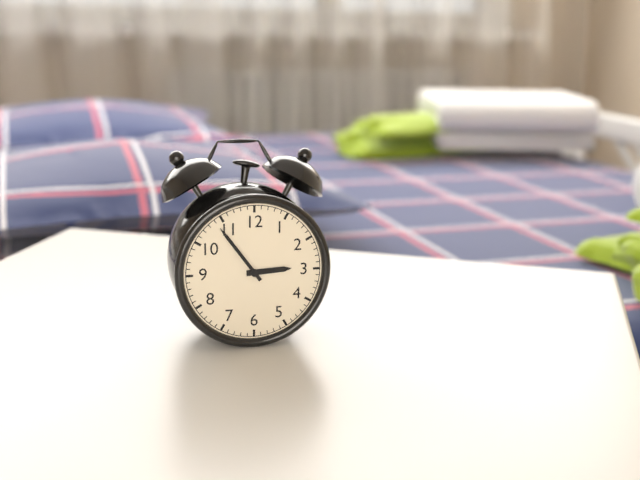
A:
2 h 54 min
